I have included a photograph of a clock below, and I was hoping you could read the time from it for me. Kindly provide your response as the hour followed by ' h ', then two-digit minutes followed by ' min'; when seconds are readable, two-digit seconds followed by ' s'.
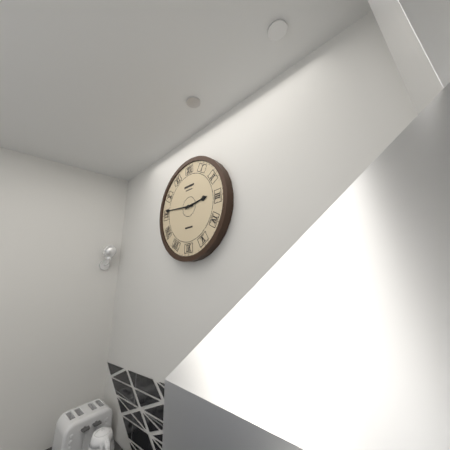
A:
2 h 46 min
